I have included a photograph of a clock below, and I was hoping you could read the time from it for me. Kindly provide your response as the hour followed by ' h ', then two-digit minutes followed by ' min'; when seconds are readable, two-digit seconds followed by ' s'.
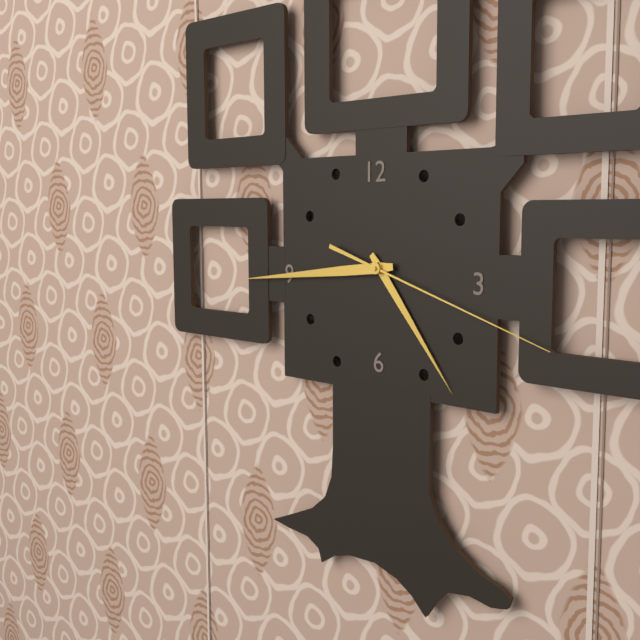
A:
4 h 44 min 18 s
